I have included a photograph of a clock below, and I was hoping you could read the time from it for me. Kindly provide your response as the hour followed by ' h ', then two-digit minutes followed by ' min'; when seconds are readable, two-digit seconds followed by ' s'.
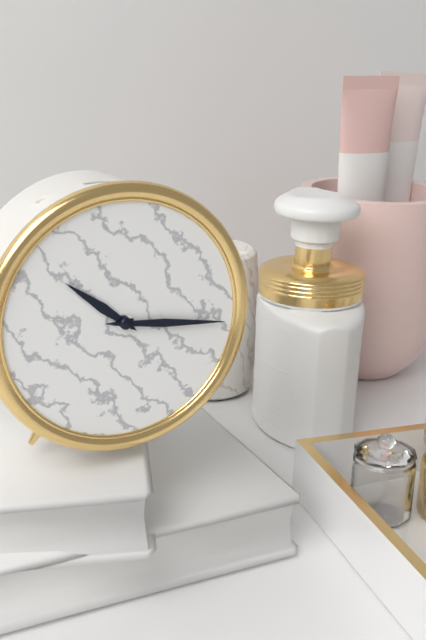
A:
10 h 16 min
